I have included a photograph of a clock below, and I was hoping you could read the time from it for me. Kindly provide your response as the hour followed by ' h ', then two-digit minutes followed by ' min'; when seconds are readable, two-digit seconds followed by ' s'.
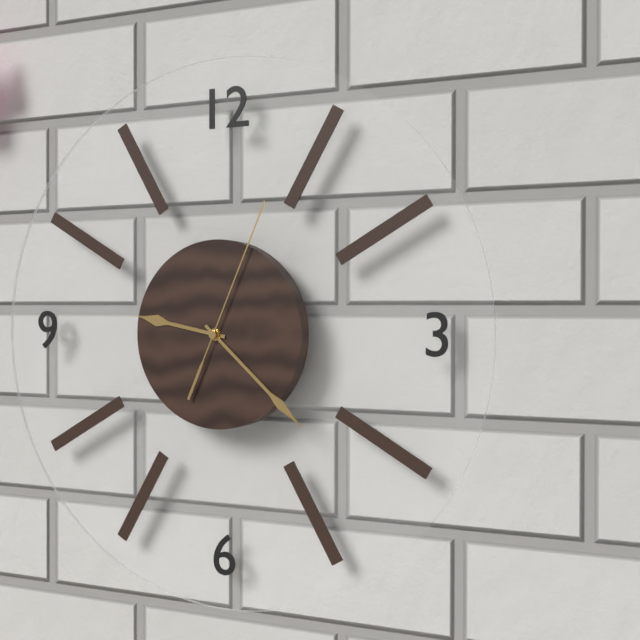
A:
9 h 22 min 04 s
